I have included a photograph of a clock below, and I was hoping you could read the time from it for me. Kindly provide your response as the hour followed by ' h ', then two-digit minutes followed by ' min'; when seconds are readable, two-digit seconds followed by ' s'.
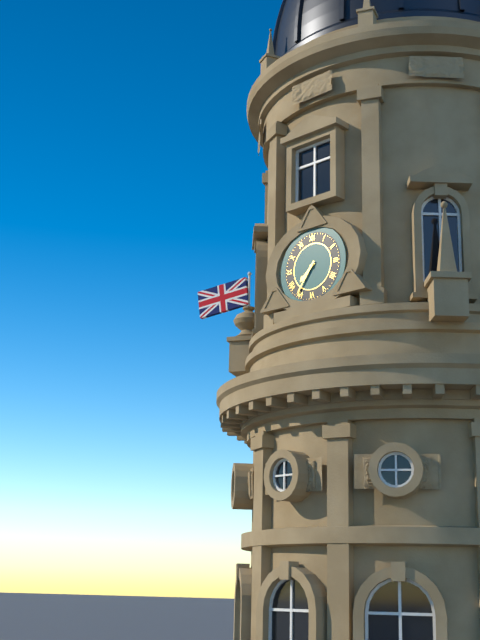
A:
7 h 36 min
